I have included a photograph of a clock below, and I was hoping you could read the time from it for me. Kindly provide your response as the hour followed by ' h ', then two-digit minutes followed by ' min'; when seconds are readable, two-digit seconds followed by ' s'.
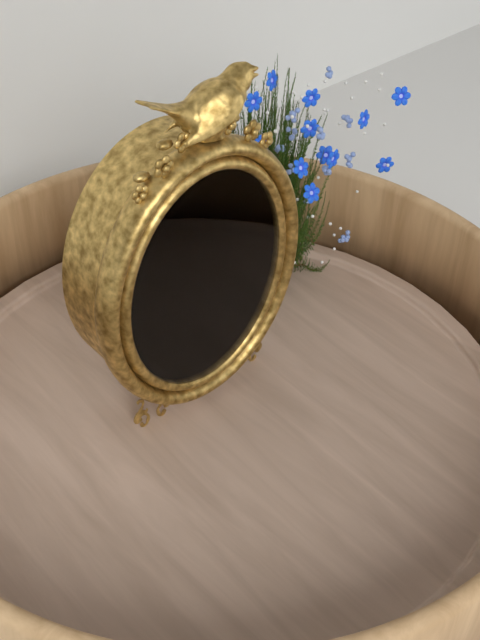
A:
7 h 11 min 36 s
